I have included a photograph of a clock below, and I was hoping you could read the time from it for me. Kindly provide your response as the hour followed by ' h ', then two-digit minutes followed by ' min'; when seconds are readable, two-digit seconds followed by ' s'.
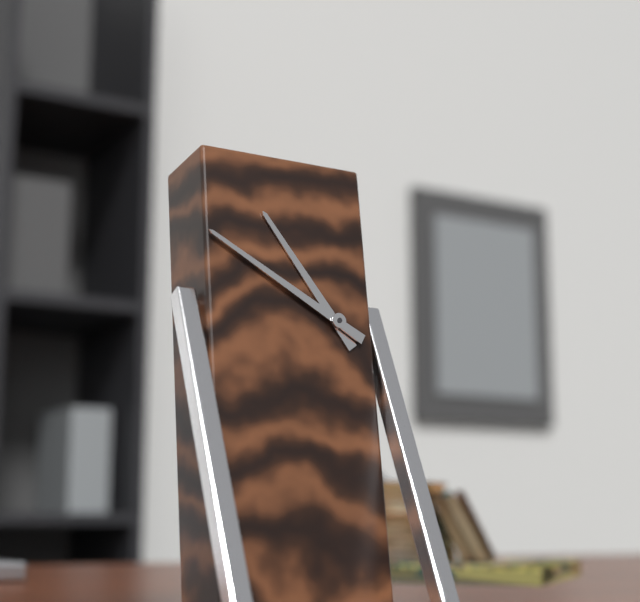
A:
10 h 50 min
